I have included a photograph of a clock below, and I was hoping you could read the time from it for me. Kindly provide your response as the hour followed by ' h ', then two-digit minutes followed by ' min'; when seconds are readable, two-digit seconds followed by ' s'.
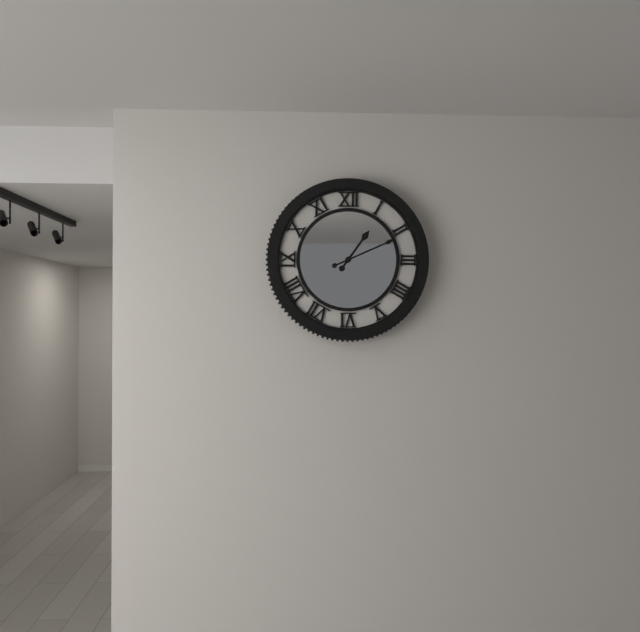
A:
1 h 11 min
